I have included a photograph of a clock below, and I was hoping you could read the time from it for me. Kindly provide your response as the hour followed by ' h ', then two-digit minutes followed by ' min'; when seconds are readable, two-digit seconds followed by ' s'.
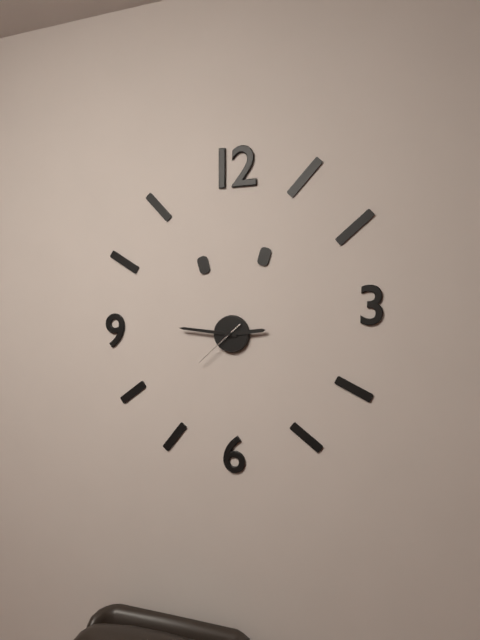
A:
2 h 46 min 38 s
